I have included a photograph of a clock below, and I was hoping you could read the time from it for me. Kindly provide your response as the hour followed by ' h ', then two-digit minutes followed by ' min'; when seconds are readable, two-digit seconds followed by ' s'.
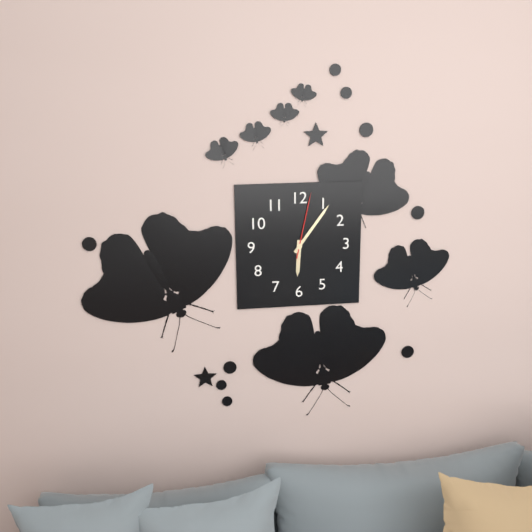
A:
6 h 06 min 02 s
